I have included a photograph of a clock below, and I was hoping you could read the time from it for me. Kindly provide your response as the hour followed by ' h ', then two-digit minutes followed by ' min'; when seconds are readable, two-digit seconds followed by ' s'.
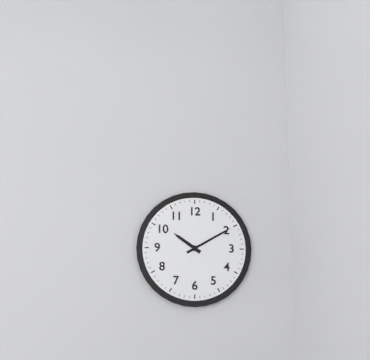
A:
10 h 10 min
